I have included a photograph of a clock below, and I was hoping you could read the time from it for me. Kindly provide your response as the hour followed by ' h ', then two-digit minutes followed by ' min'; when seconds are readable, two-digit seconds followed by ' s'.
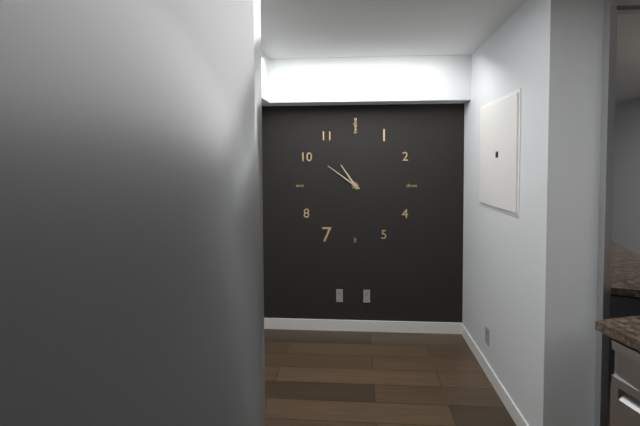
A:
10 h 51 min
